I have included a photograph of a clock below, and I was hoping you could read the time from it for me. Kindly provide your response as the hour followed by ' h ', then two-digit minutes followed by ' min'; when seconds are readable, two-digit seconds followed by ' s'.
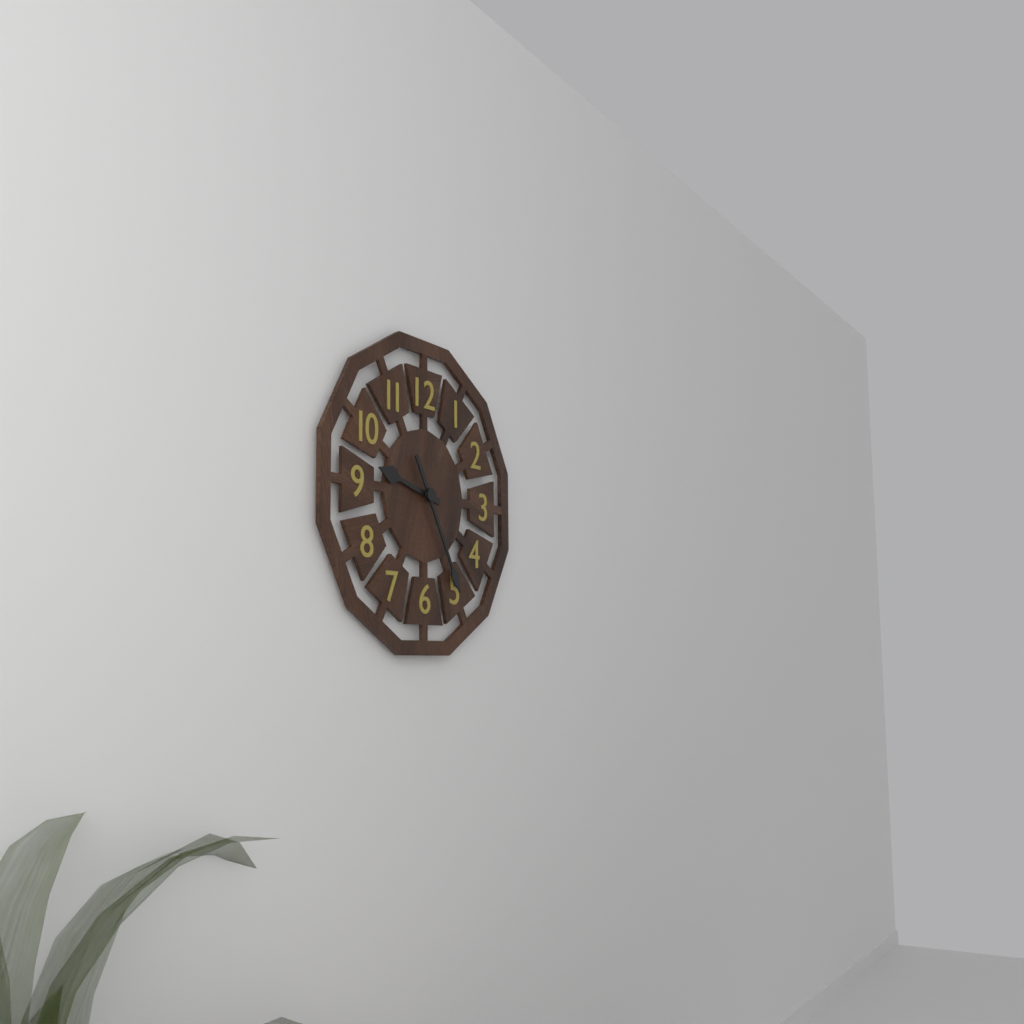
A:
9 h 25 min
